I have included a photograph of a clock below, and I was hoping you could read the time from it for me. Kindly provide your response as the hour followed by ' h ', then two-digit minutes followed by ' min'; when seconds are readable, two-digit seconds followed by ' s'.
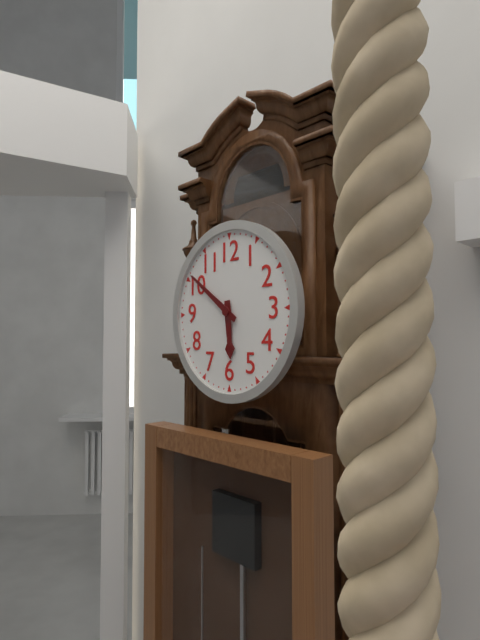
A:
5 h 51 min
